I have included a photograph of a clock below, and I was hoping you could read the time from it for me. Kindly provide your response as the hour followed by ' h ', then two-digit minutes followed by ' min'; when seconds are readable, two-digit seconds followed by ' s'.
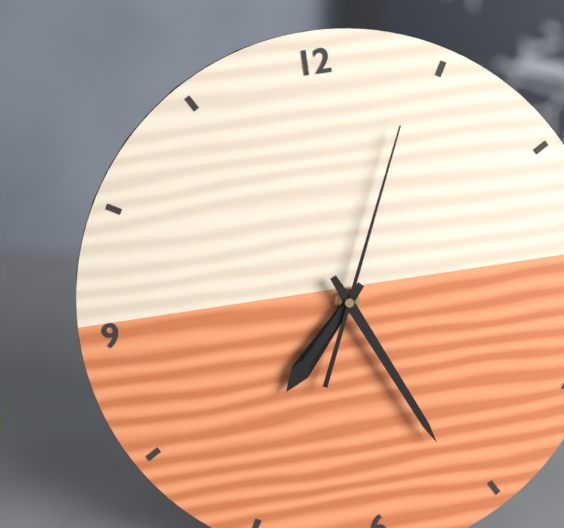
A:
7 h 26 min 04 s
